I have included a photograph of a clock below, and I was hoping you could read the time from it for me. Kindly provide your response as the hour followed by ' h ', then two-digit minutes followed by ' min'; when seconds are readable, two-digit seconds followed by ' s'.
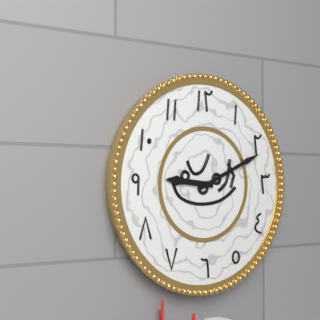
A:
9 h 11 min
